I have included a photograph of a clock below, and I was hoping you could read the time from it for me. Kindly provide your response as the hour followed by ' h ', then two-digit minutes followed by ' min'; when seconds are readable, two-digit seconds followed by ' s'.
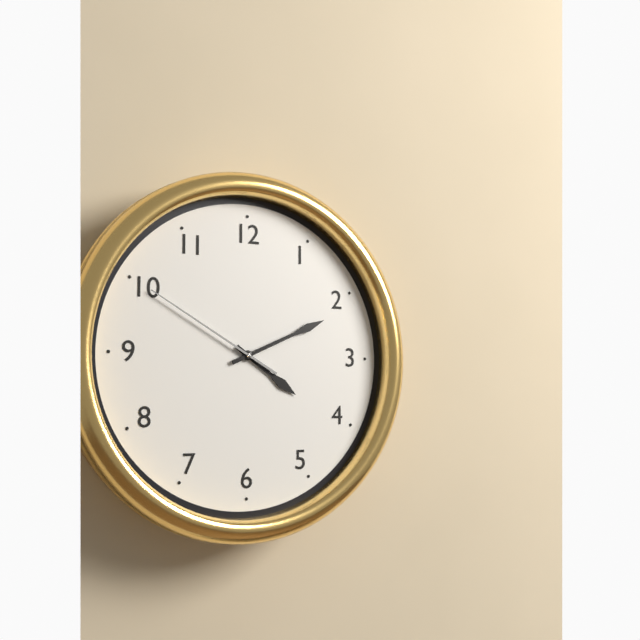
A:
4 h 11 min 50 s
